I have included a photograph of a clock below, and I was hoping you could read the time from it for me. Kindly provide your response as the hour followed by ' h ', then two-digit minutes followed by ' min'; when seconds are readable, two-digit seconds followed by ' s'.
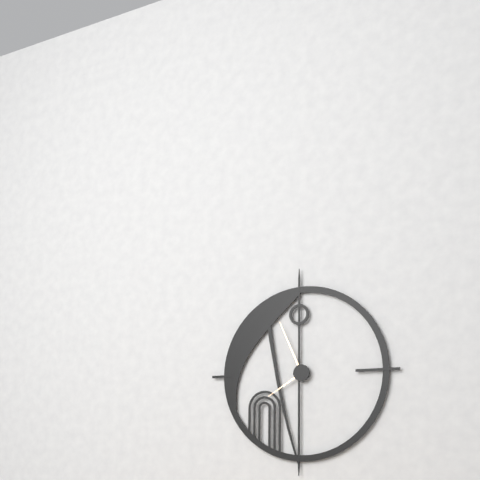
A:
7 h 56 min
